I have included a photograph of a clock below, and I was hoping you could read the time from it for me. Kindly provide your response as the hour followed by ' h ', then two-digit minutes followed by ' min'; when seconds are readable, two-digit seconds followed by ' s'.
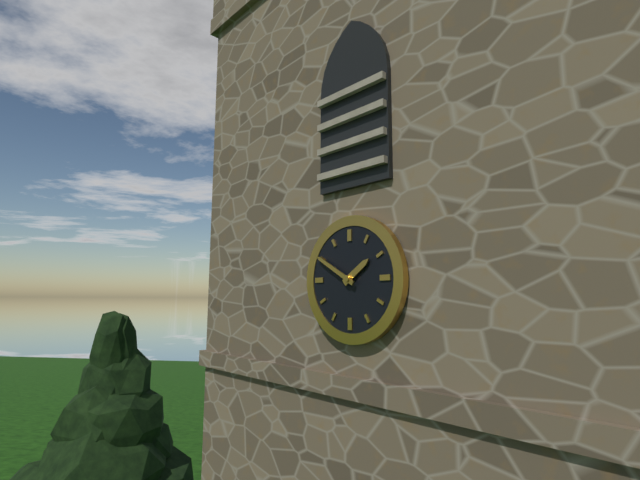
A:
1 h 50 min
